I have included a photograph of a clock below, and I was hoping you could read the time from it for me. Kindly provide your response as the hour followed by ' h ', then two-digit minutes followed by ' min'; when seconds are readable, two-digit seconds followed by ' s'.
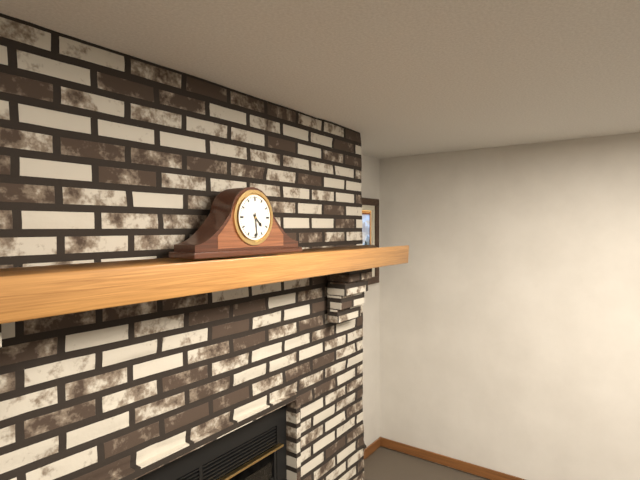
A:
4 h 29 min
